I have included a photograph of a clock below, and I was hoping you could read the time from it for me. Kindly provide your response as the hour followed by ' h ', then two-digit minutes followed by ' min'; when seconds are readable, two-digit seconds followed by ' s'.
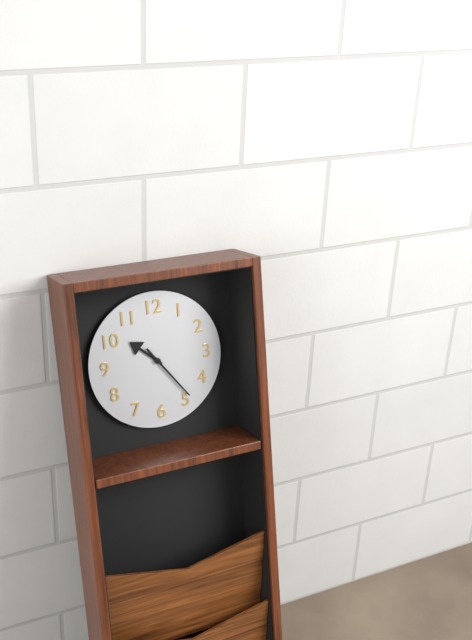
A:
10 h 24 min
